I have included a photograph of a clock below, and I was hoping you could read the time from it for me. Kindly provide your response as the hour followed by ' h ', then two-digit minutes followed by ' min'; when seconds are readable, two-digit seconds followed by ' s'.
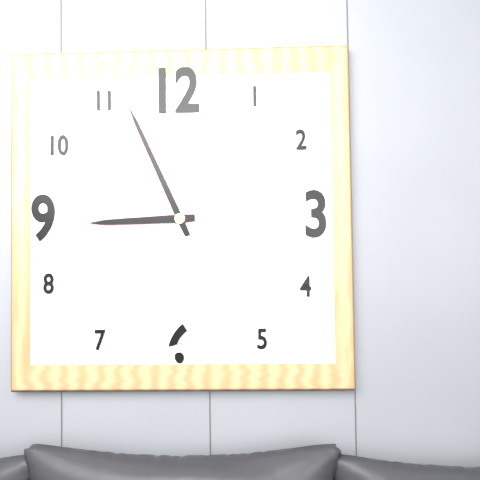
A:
8 h 56 min
